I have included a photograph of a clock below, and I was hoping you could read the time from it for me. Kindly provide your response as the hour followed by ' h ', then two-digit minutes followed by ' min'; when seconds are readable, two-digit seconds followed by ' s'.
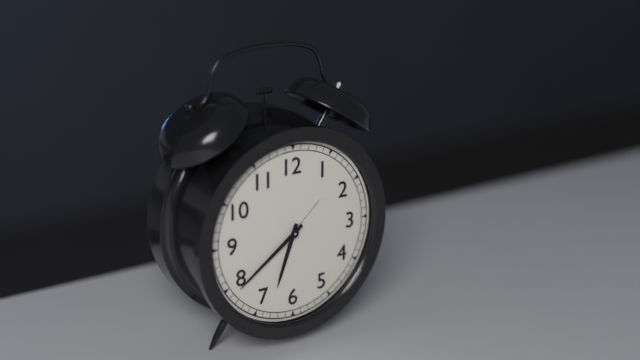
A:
6 h 39 min
